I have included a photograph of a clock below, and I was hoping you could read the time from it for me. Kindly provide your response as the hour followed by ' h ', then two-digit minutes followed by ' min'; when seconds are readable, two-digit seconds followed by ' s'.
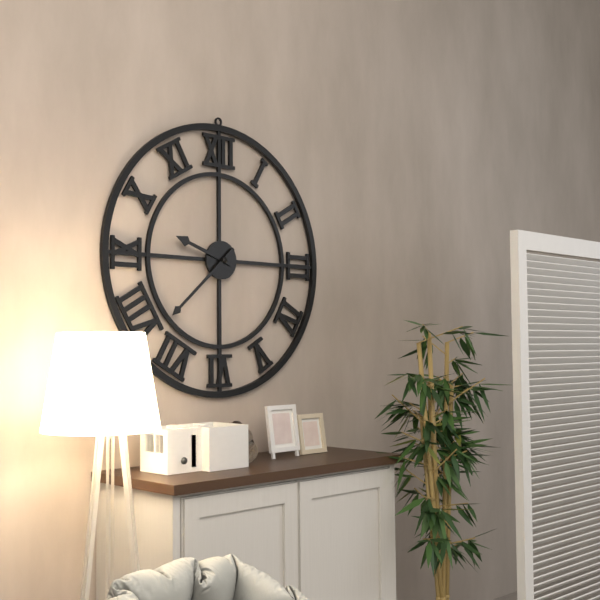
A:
9 h 38 min
